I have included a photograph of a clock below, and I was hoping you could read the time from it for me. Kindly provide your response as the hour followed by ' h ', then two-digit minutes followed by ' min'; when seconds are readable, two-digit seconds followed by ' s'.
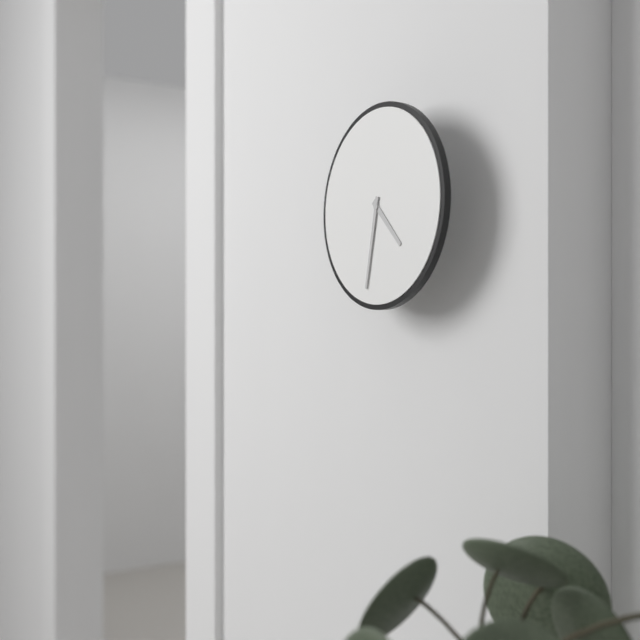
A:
4 h 32 min
